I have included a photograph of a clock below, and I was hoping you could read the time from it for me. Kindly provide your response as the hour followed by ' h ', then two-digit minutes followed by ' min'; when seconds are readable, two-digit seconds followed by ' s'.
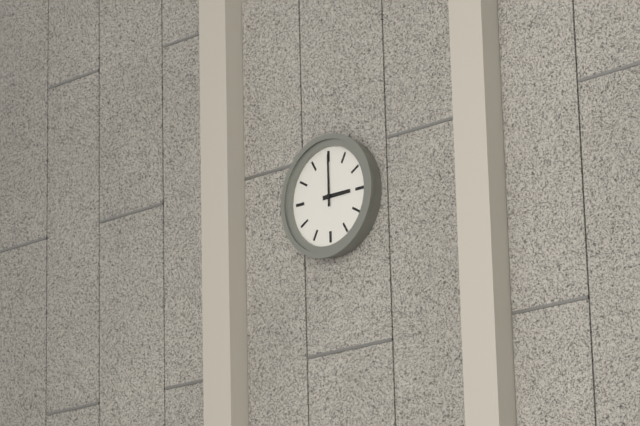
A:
3 h 00 min
